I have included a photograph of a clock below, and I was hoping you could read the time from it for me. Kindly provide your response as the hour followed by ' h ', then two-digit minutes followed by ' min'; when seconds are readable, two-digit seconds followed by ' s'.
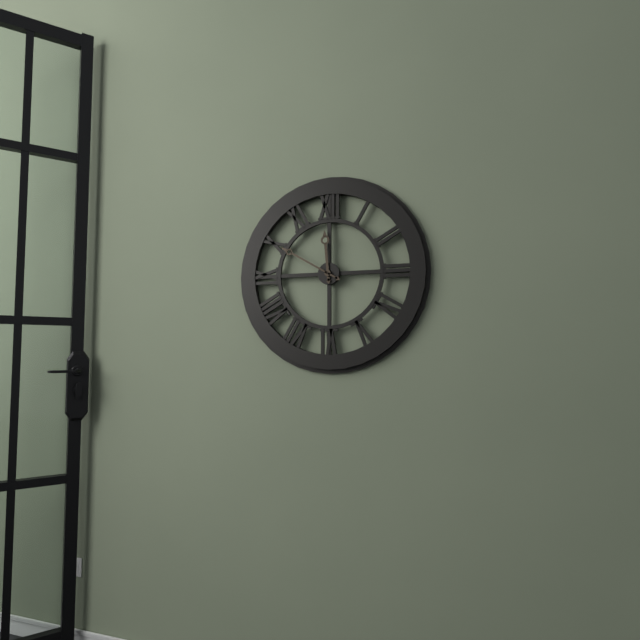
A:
11 h 50 min
